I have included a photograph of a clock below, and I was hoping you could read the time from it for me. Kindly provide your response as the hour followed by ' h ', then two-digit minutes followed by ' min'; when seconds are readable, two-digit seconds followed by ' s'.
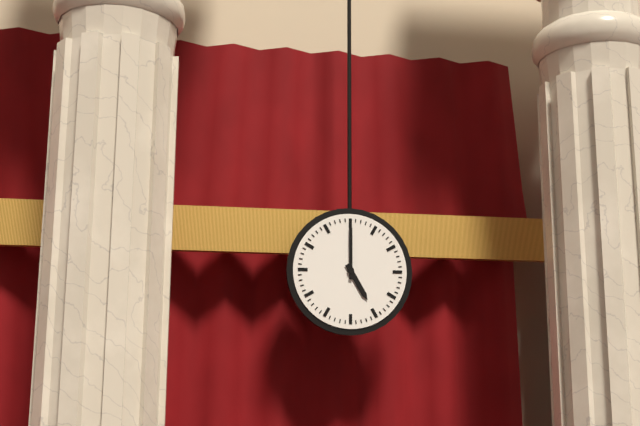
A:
5 h 00 min
